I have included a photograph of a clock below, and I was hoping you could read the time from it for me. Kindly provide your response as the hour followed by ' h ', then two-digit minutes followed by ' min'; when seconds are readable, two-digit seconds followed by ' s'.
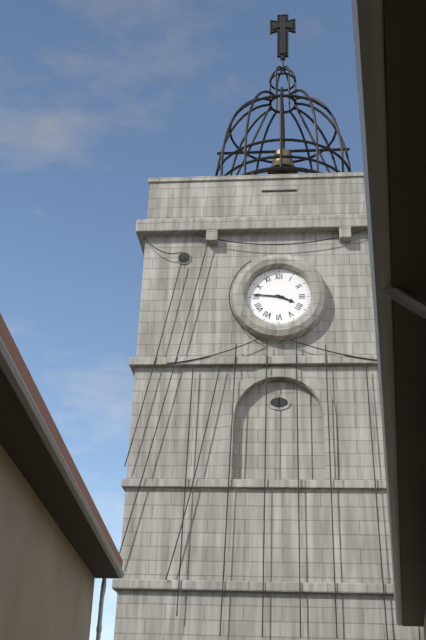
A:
3 h 46 min
